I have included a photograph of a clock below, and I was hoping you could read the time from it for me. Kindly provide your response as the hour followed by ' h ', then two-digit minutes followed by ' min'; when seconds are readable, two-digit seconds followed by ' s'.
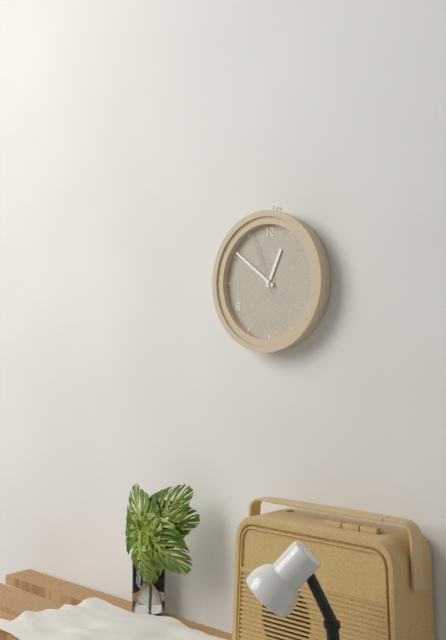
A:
12 h 51 min 56 s
